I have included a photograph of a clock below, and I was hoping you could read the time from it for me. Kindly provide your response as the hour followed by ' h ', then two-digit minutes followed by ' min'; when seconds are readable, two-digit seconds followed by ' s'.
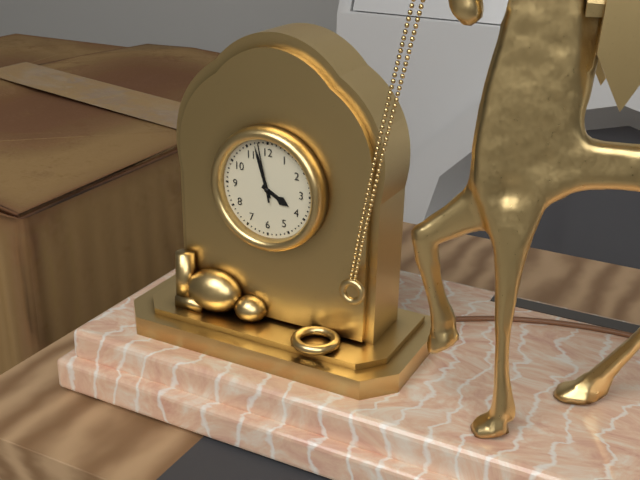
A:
3 h 57 min 58 s
